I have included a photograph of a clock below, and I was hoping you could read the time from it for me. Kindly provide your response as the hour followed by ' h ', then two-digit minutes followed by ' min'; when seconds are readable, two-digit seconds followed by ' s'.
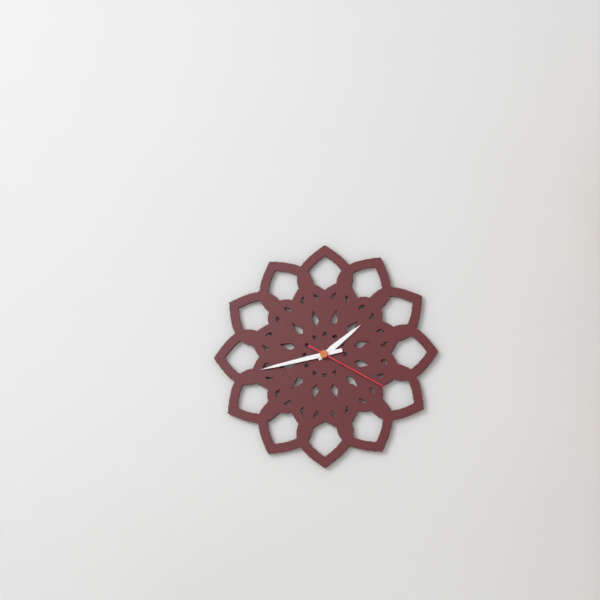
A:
1 h 43 min 20 s
